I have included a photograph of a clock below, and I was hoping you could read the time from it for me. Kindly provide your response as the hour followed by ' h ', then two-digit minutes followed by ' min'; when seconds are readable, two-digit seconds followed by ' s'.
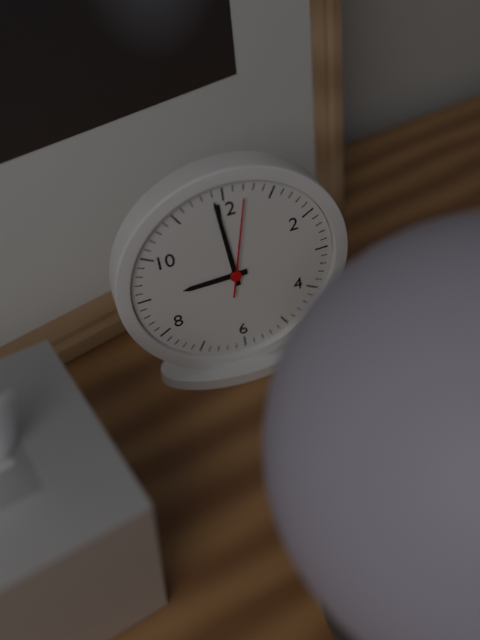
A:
8 h 59 min 02 s
